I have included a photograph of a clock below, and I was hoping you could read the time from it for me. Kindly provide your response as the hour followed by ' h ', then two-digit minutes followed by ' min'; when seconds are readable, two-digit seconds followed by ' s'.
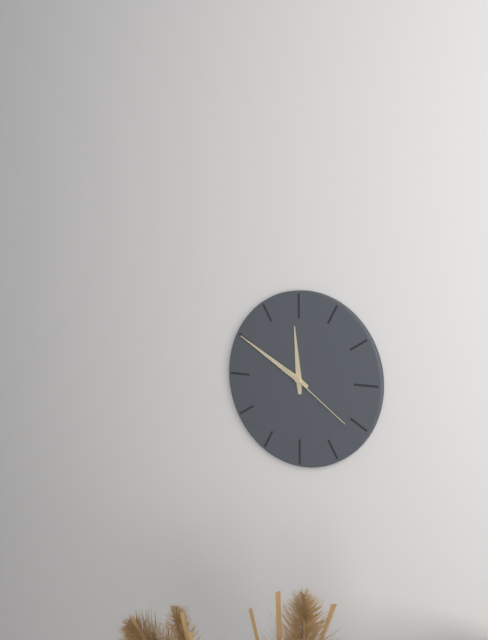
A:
11 h 50 min 21 s
